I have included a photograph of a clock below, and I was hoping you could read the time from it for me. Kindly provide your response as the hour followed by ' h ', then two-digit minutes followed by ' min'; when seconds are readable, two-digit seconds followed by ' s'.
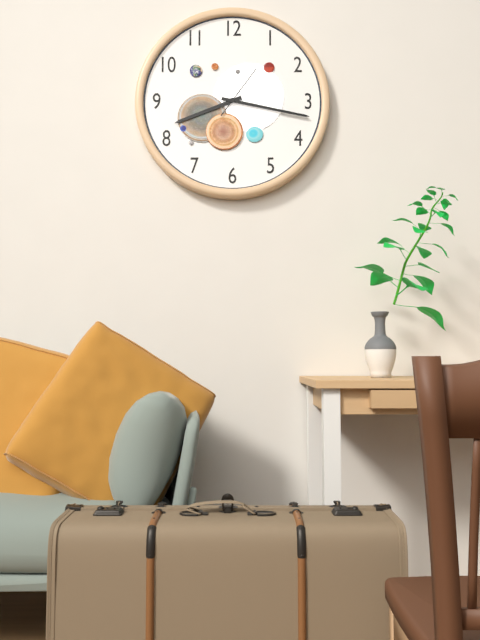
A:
8 h 17 min 06 s
